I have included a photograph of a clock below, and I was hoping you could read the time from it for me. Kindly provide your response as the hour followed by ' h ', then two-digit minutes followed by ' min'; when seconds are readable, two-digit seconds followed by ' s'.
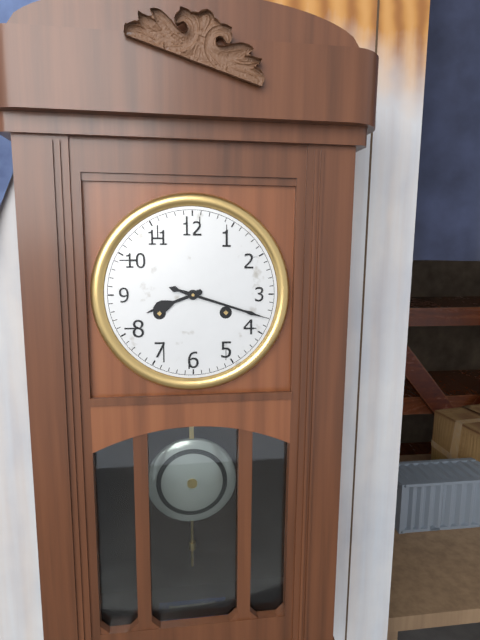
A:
8 h 18 min
